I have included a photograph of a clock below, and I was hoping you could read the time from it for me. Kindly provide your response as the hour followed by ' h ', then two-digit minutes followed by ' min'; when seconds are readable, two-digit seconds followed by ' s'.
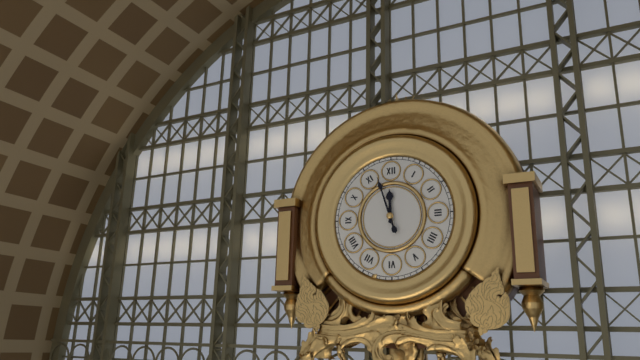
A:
11 h 57 min
